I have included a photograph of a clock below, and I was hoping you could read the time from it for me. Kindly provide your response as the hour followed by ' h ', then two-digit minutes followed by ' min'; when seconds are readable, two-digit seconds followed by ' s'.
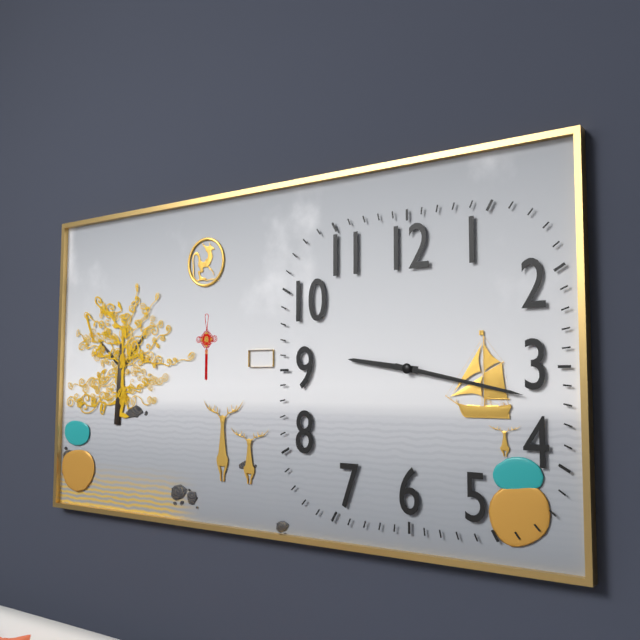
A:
9 h 17 min 17 s
